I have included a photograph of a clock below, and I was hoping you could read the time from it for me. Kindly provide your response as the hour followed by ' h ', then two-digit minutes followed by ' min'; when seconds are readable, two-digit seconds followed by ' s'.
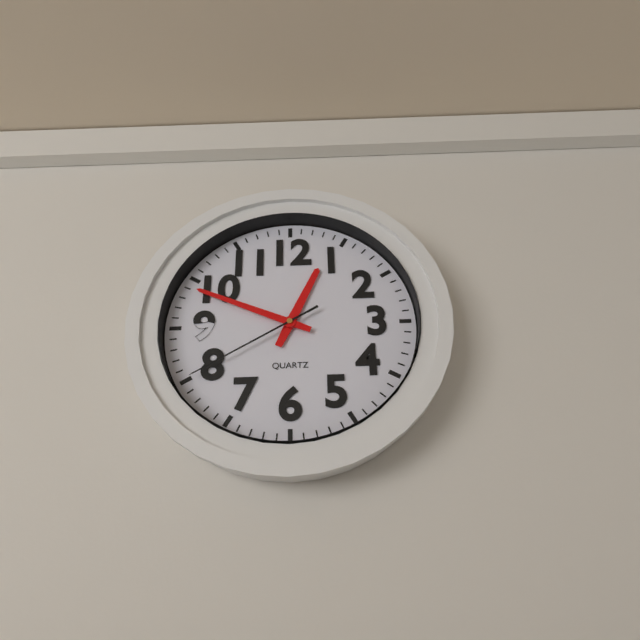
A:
12 h 49 min 40 s
